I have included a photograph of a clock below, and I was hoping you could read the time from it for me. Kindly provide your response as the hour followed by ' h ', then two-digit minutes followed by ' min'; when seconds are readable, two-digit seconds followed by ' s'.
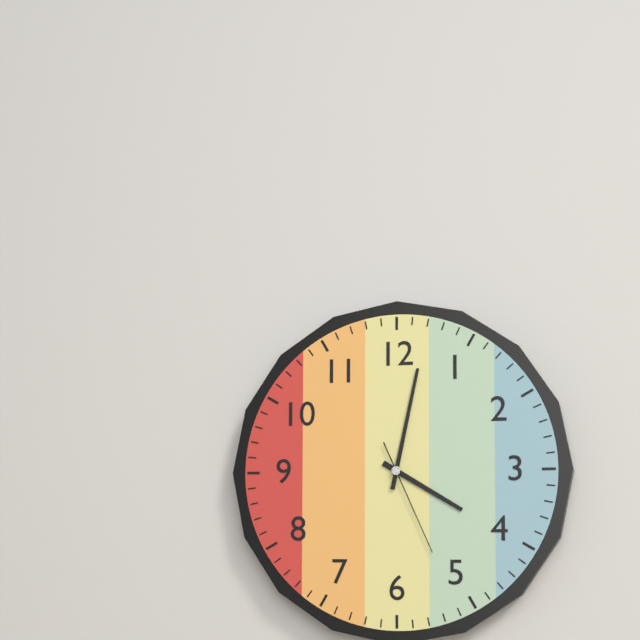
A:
4 h 02 min 26 s
